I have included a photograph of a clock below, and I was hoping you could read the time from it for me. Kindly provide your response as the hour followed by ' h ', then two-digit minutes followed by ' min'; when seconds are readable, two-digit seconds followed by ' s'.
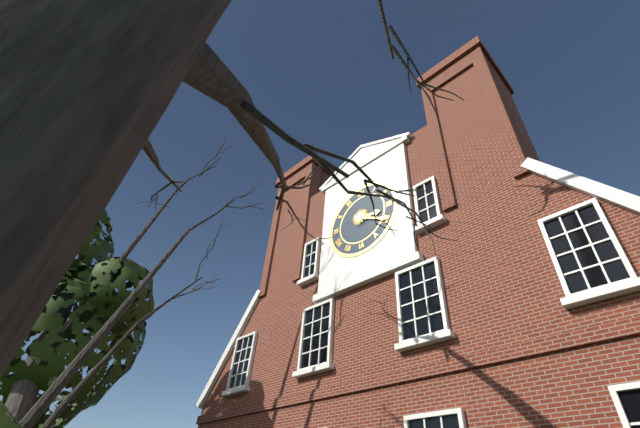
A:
3 h 20 min
